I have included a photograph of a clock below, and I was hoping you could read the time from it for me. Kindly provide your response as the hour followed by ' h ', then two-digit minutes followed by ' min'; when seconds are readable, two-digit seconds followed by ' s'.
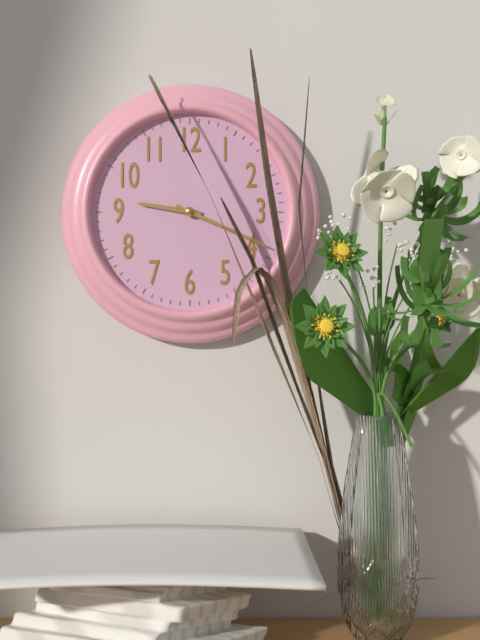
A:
9 h 19 min
